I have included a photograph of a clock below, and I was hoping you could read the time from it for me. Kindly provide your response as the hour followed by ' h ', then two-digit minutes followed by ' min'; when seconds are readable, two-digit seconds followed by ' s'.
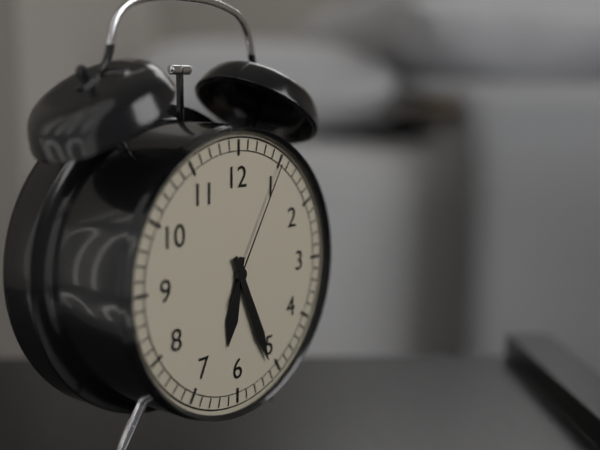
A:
6 h 26 min 05 s
